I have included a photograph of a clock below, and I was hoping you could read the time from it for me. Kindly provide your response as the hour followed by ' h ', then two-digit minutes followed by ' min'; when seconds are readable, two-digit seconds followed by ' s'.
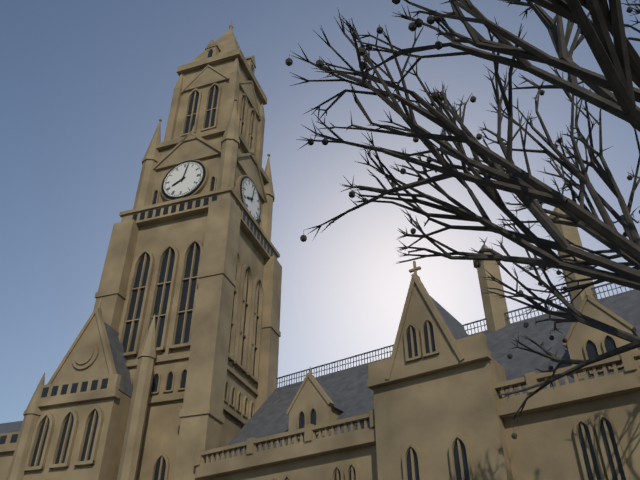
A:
8 h 02 min
